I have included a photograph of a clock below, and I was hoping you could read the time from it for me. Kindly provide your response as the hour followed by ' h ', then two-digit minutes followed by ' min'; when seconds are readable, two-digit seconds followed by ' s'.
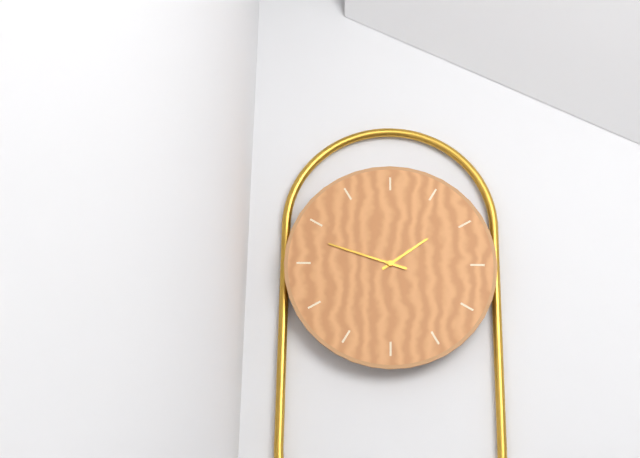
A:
1 h 48 min
